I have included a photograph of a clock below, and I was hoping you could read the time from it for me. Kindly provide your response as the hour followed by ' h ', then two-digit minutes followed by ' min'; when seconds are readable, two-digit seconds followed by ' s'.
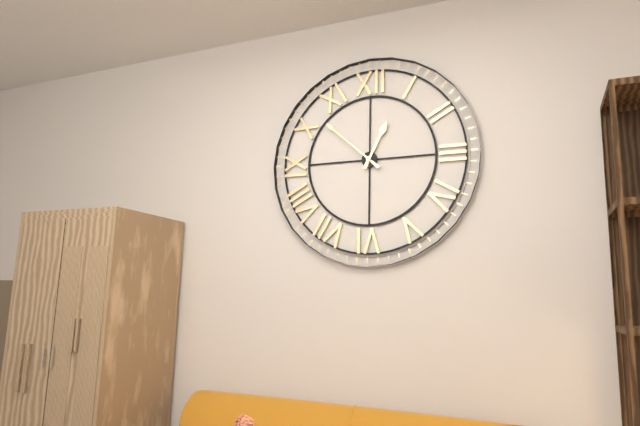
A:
12 h 52 min
